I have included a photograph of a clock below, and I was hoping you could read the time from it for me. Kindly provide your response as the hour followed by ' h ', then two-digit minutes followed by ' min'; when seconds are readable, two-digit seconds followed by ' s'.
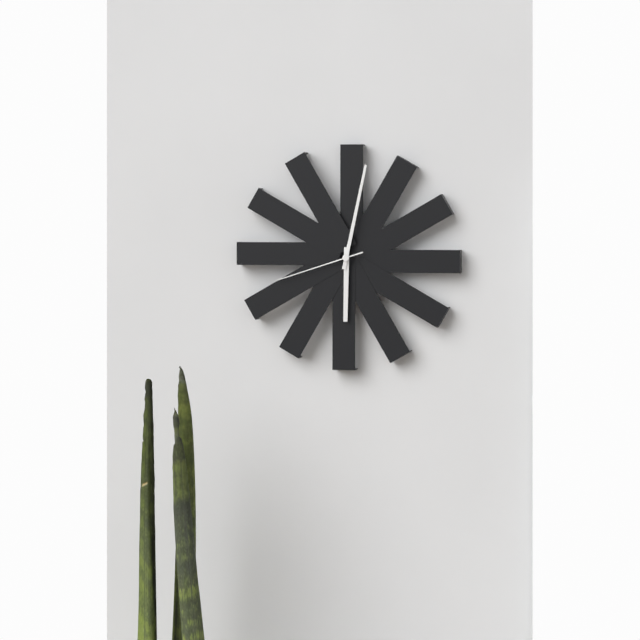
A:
6 h 02 min 42 s
